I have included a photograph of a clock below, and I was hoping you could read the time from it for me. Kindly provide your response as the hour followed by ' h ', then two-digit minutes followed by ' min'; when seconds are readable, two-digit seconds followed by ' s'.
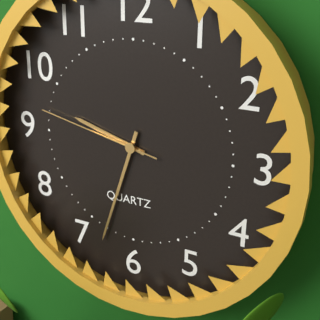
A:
9 h 33 min 47 s
